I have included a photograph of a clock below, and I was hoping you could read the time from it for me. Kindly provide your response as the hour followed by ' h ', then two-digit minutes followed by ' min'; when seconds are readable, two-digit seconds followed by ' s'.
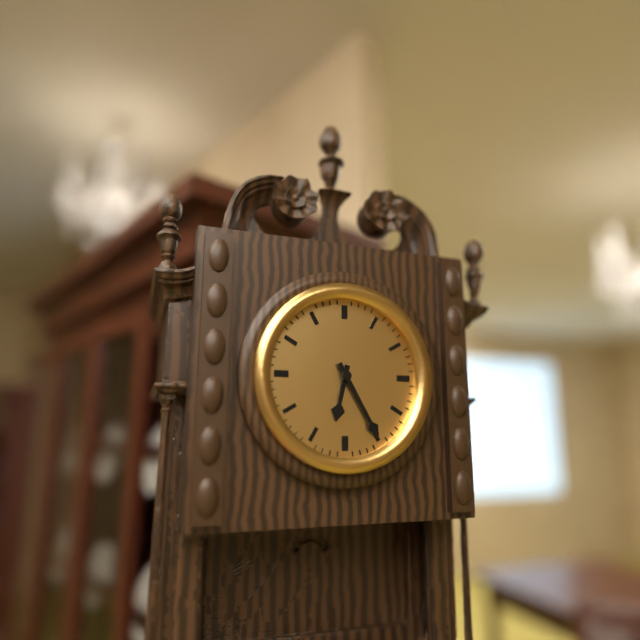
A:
6 h 25 min
